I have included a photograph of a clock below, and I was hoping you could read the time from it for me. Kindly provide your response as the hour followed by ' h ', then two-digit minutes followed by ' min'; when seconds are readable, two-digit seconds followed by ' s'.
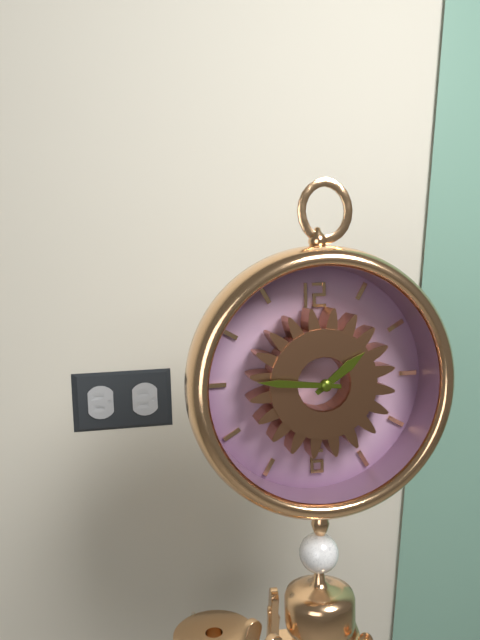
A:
1 h 46 min
